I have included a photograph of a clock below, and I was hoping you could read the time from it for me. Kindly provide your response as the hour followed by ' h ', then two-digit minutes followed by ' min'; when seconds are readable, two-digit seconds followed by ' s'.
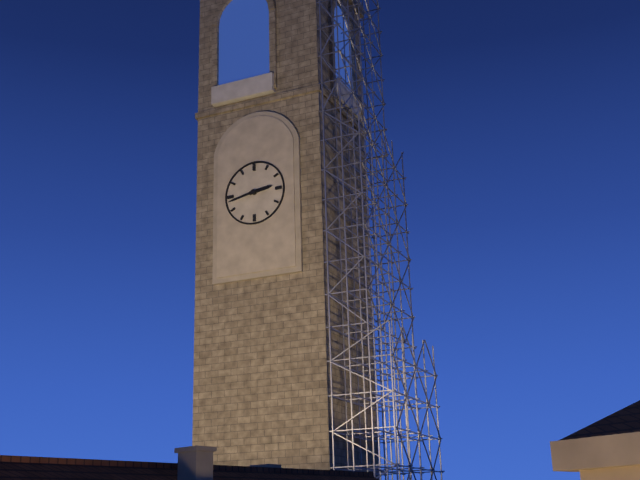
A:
2 h 43 min
